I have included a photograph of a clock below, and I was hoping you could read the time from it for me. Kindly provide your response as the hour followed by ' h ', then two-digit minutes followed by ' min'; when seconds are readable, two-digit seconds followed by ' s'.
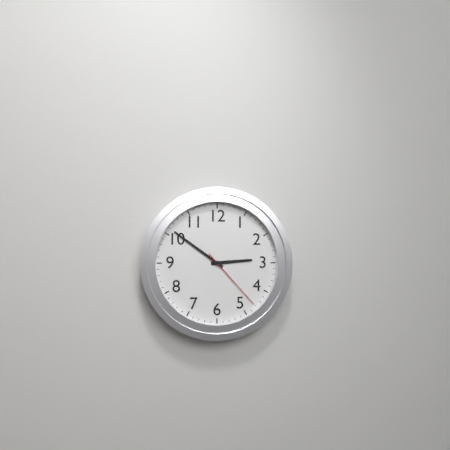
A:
2 h 51 min 23 s
